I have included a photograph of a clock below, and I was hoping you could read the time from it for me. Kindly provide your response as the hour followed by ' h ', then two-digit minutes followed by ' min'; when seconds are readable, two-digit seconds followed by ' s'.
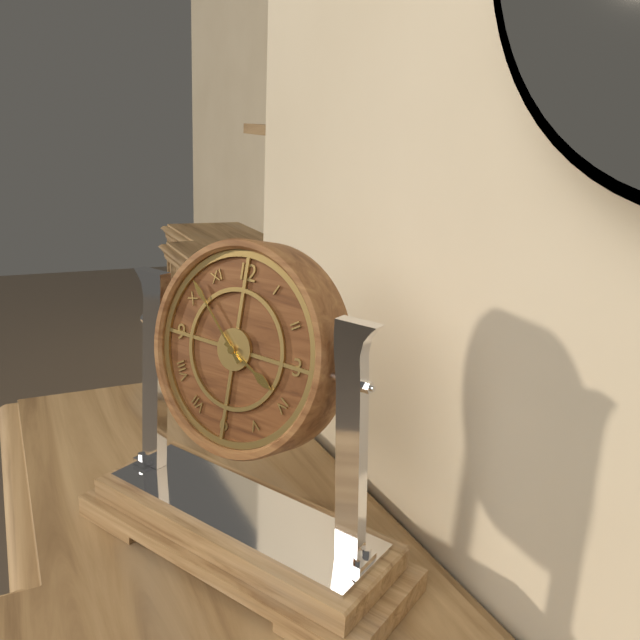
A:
3 h 52 min
